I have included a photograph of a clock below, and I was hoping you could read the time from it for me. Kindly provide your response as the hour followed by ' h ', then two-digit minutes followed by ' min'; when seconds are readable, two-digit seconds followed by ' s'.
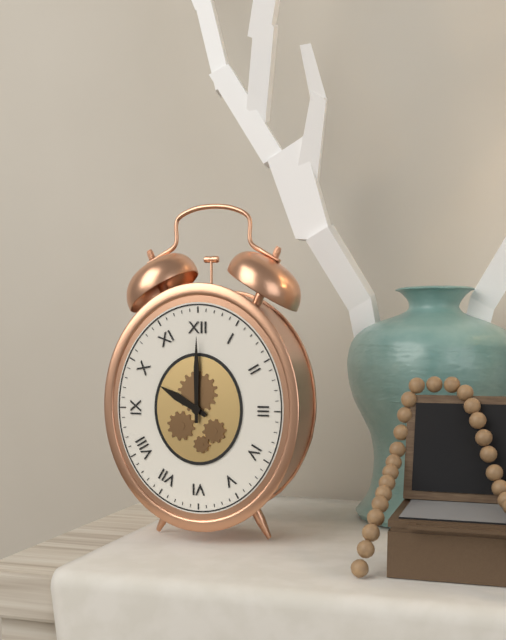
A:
10 h 00 min
